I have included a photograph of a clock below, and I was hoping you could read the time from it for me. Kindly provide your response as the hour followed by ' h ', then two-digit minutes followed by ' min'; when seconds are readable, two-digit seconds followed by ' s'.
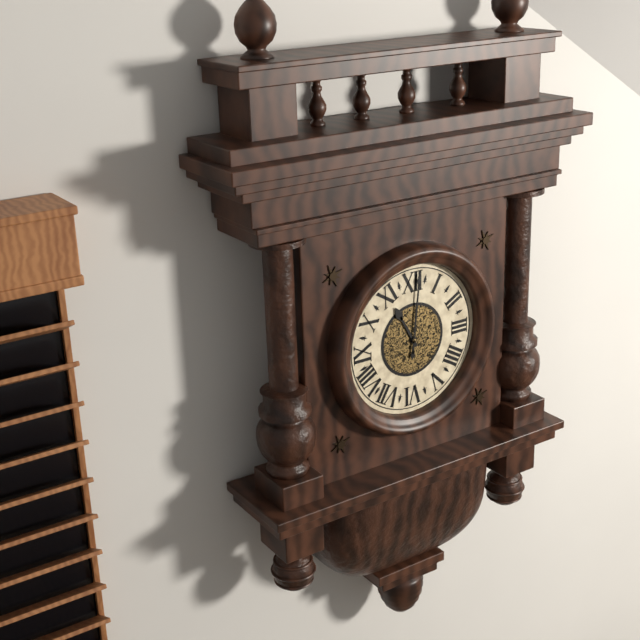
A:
11 h 01 min
